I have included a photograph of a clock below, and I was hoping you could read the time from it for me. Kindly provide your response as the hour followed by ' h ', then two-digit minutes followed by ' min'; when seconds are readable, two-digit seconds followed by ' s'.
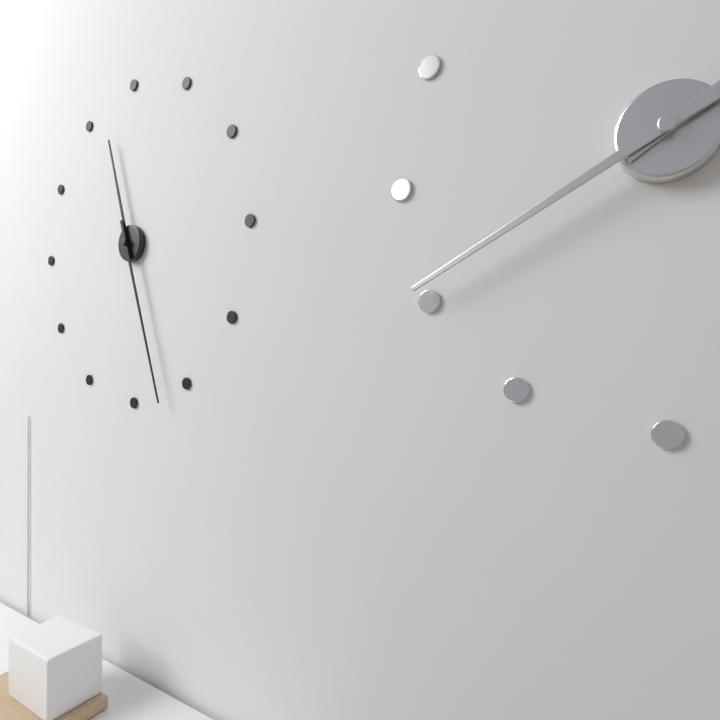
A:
11 h 27 min
